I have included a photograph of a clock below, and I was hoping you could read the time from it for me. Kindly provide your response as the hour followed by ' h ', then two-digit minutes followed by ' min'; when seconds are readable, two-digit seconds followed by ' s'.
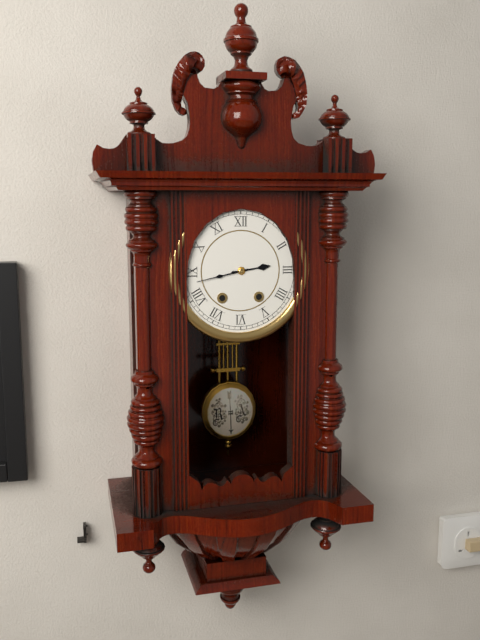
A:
2 h 43 min
